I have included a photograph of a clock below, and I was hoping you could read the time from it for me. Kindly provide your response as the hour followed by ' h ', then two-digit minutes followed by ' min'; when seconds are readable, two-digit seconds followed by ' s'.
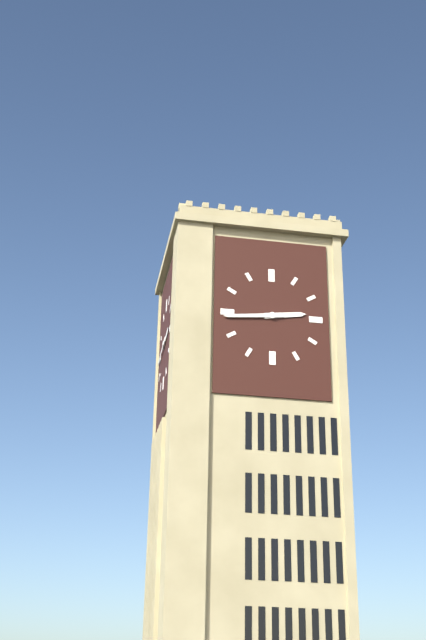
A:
2 h 44 min
